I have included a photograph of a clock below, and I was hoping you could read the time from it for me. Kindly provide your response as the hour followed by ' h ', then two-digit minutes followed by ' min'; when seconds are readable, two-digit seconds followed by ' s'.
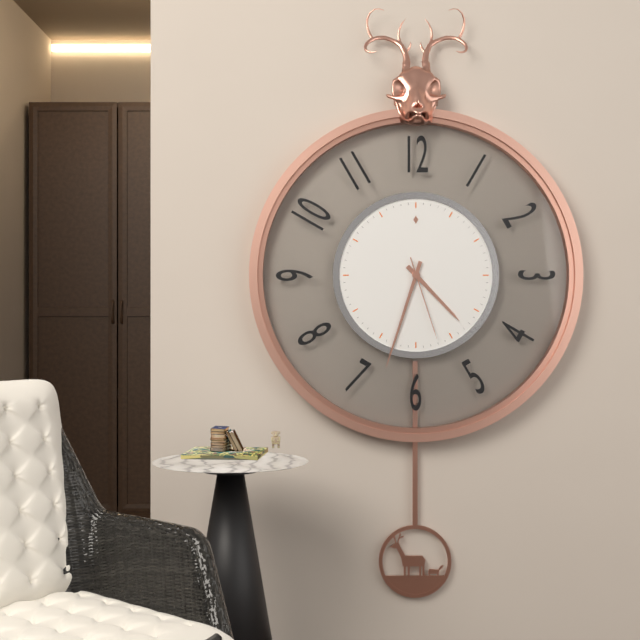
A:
4 h 33 min 27 s
